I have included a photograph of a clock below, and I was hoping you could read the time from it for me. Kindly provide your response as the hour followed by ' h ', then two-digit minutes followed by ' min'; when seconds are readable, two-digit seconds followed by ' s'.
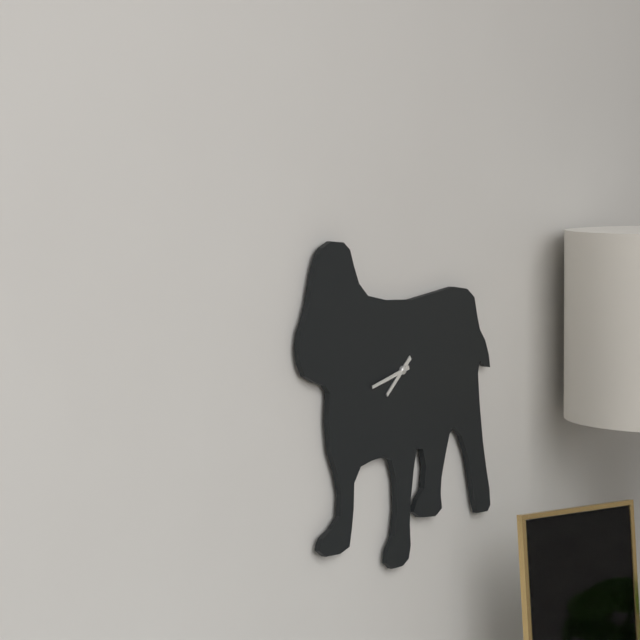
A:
7 h 43 min
